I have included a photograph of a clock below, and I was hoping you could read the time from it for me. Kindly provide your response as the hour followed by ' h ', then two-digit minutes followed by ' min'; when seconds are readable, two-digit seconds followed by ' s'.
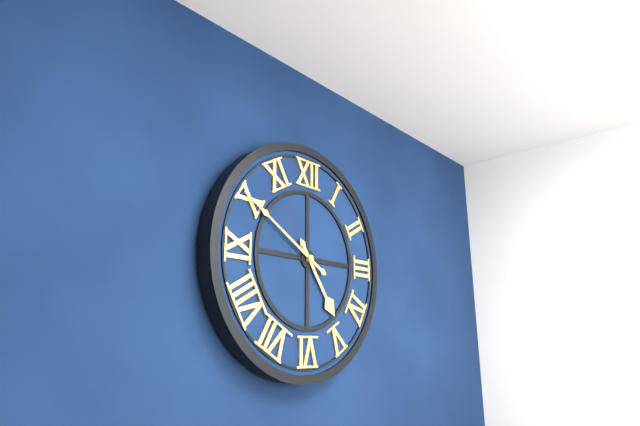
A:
4 h 50 min
